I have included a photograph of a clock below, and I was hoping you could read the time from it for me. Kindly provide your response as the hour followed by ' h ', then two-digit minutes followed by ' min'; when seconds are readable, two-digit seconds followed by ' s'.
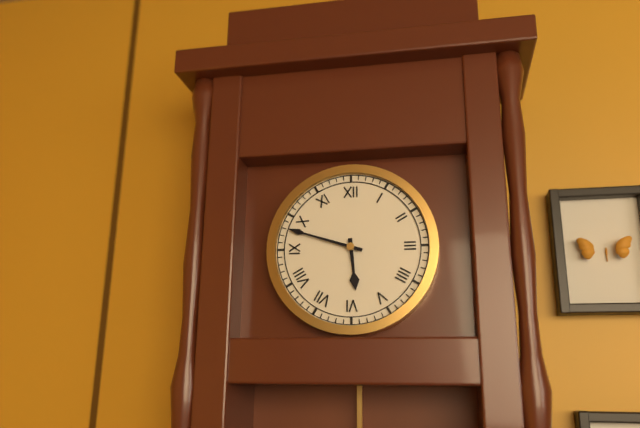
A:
5 h 48 min
